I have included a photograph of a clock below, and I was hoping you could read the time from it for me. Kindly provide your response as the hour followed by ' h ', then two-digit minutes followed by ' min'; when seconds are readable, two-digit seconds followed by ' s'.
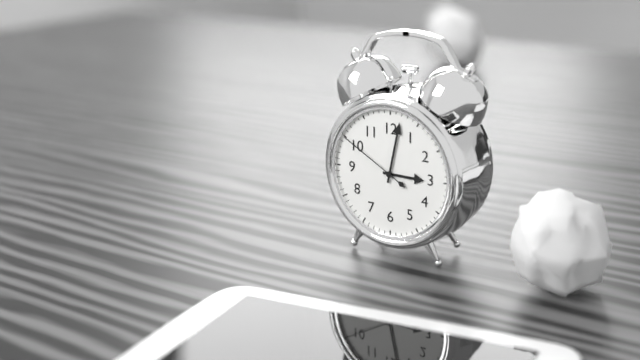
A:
3 h 02 min 50 s
